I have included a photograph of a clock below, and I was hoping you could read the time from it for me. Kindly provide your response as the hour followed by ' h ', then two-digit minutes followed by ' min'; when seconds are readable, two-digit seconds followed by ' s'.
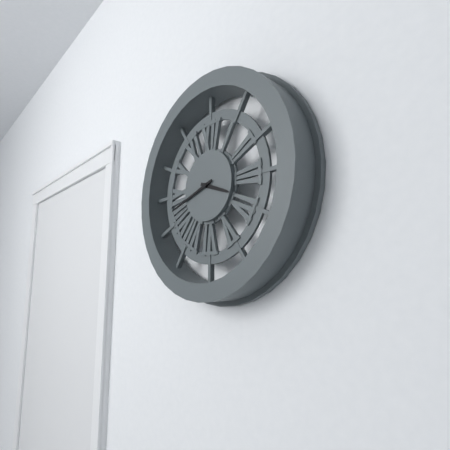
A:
3 h 42 min
